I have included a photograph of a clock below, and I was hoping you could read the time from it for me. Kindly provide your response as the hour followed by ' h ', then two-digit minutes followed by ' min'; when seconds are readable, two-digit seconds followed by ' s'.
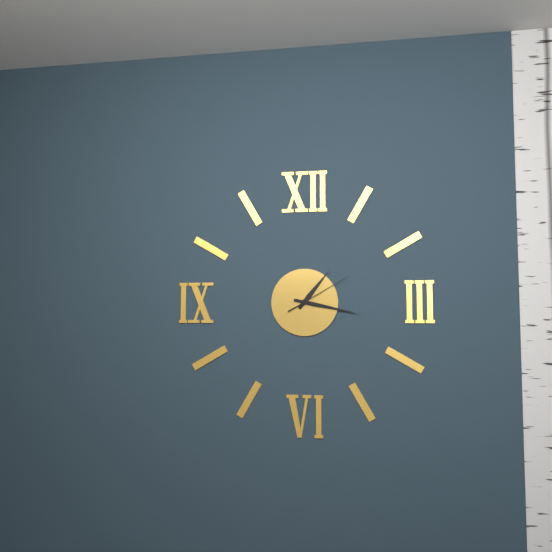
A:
1 h 17 min 10 s
